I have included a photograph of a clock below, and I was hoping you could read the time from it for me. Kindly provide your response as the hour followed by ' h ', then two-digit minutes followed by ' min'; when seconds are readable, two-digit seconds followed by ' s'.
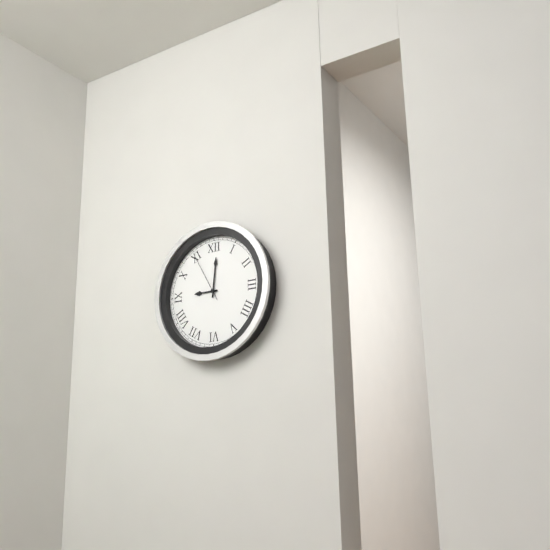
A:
9 h 01 min 55 s
